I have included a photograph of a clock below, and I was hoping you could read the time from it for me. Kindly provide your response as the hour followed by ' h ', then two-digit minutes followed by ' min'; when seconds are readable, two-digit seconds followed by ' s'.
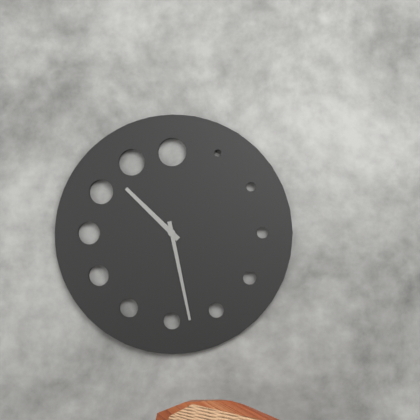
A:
10 h 28 min
